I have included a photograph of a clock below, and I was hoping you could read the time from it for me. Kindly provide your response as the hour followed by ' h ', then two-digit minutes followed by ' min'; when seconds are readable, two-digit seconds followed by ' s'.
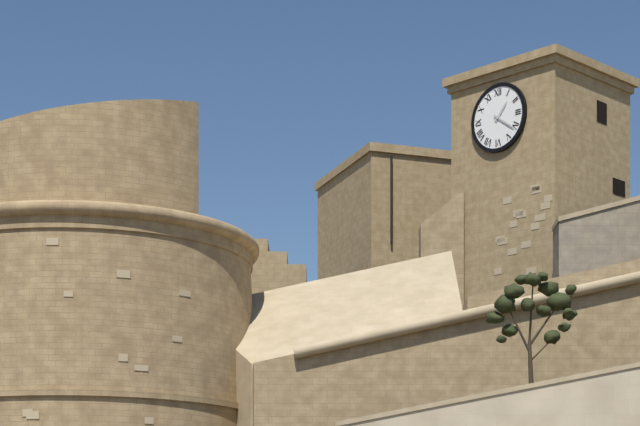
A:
1 h 21 min
